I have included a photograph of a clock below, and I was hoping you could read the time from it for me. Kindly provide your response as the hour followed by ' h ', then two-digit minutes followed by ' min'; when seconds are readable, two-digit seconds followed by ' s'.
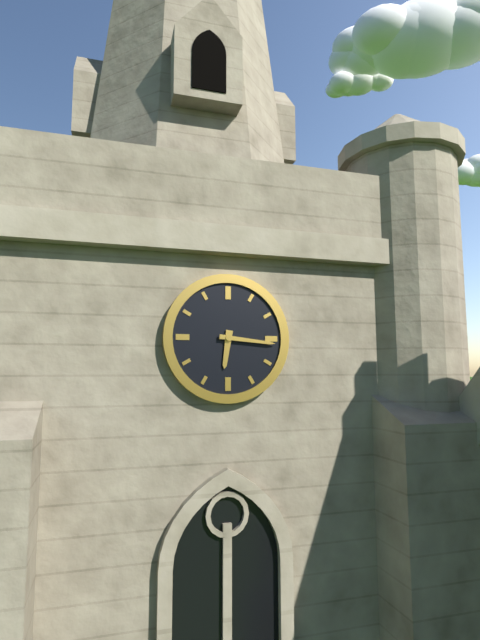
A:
6 h 16 min
